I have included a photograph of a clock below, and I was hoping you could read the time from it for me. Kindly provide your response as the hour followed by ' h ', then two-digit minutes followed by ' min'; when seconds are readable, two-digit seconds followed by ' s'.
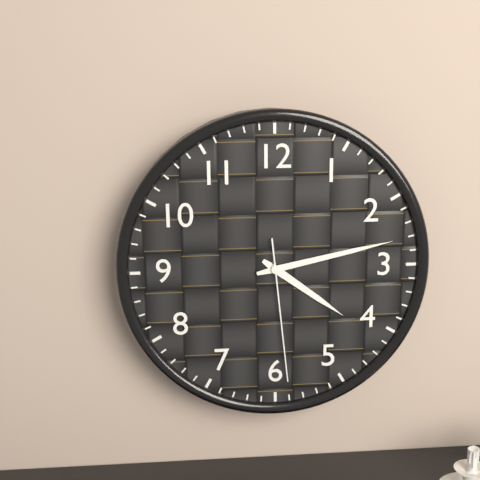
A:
4 h 13 min 29 s
